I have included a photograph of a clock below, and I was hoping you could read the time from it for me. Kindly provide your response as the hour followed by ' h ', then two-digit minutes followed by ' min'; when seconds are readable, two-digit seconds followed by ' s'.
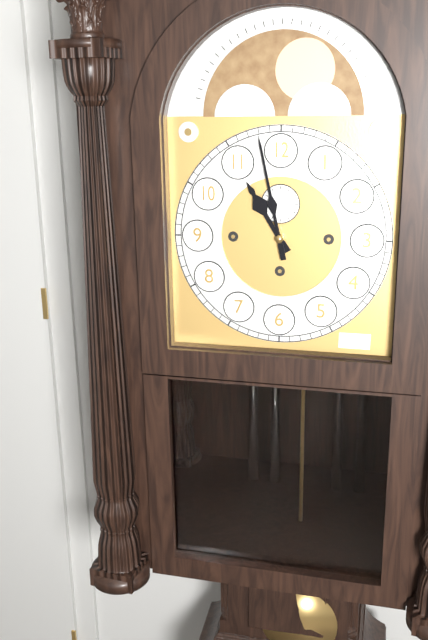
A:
10 h 58 min
